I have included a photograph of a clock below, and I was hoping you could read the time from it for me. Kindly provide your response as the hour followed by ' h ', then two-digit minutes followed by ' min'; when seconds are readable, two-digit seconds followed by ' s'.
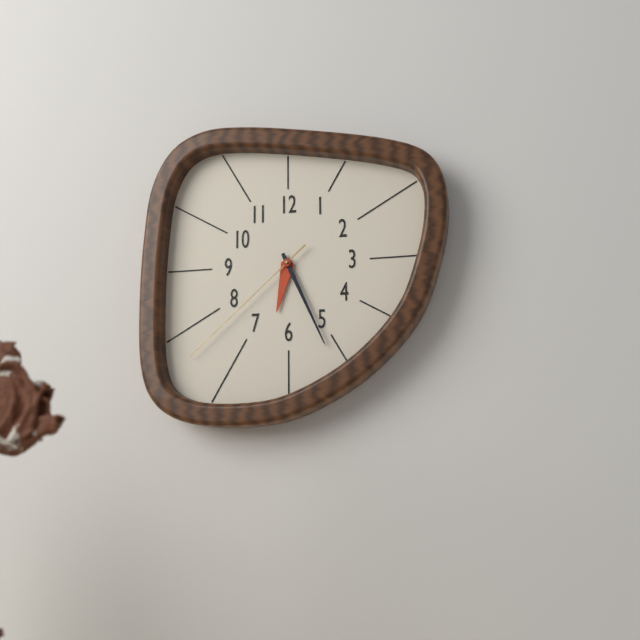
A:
6 h 26 min 38 s
